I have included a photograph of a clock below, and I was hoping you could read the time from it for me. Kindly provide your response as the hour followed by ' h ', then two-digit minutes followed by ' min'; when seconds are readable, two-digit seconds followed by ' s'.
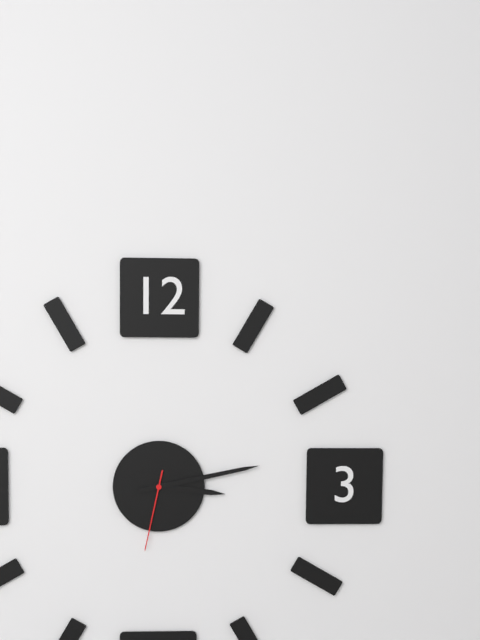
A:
3 h 13 min 32 s
